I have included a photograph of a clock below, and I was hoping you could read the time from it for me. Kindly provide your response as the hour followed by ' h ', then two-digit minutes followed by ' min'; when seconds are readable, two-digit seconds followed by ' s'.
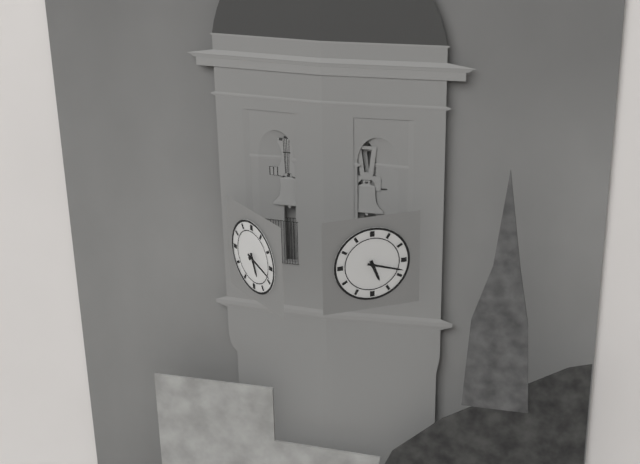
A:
5 h 18 min
